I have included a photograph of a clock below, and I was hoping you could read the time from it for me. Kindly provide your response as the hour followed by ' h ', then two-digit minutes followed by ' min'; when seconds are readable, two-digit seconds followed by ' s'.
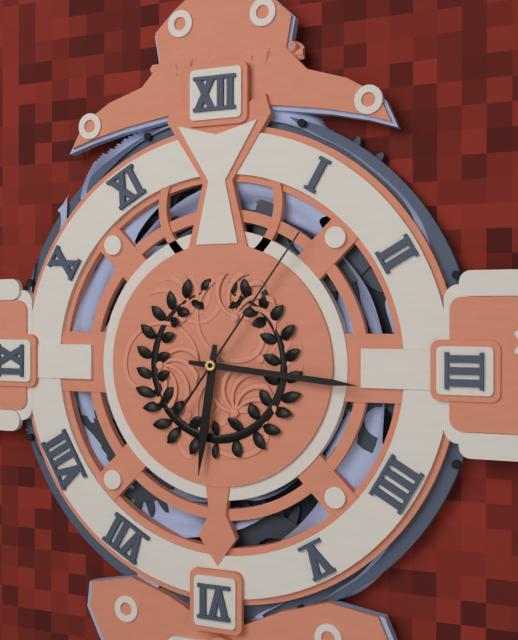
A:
6 h 16 min 06 s
